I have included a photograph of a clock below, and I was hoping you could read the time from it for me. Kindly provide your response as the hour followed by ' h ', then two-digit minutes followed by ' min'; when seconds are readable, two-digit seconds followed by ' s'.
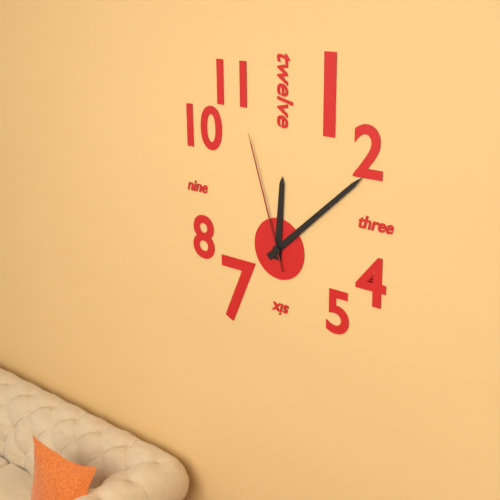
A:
12 h 08 min 57 s
